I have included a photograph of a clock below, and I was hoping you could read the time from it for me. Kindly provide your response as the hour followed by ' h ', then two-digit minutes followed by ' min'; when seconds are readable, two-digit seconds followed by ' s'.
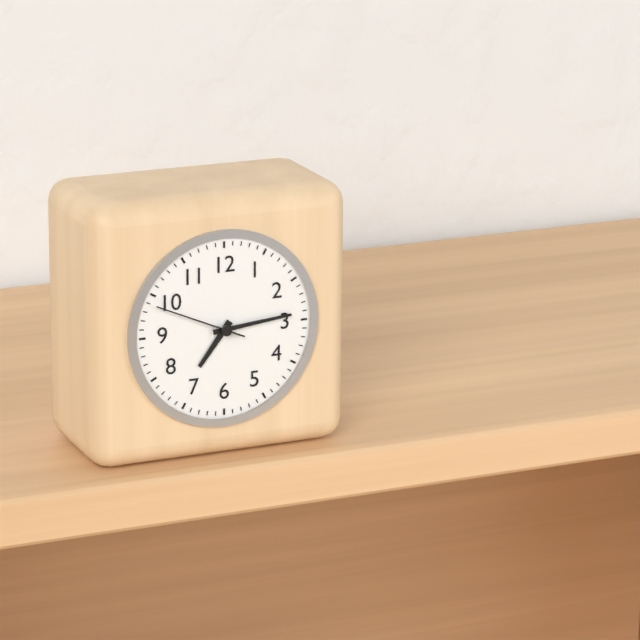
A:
7 h 14 min 49 s
